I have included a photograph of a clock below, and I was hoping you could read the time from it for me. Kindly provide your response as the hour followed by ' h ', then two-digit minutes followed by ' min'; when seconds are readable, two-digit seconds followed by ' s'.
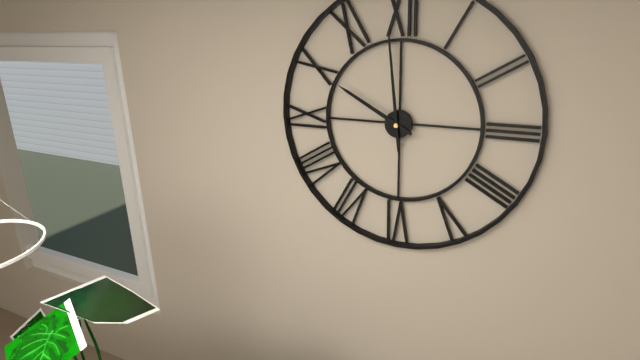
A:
9 h 59 min
